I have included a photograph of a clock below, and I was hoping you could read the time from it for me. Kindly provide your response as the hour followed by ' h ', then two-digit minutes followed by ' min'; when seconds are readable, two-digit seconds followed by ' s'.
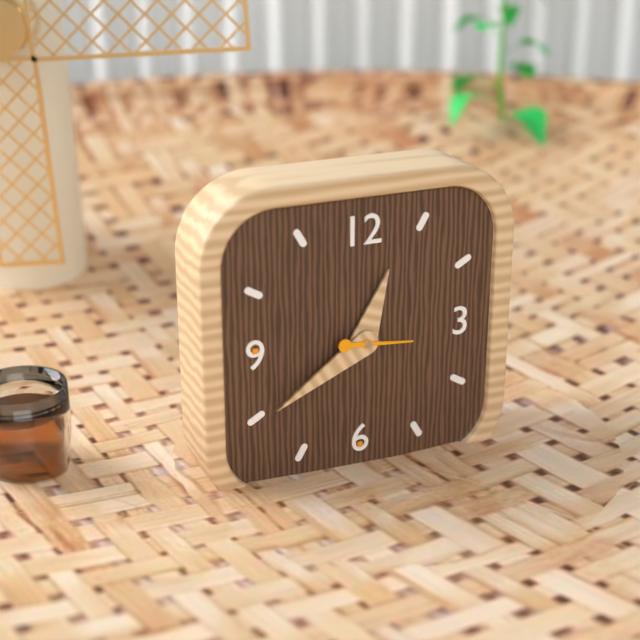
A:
12 h 40 min 16 s
